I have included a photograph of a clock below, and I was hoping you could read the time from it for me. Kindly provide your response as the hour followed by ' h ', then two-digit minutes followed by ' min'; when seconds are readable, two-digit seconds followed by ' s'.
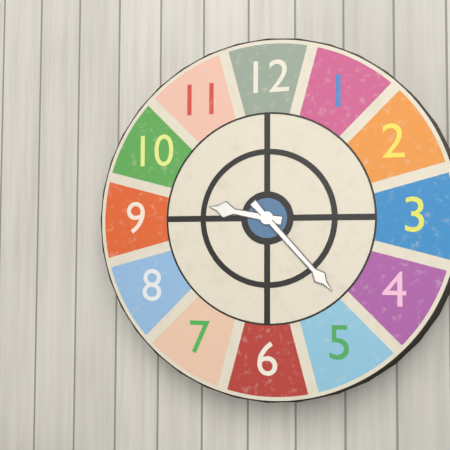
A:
9 h 23 min
